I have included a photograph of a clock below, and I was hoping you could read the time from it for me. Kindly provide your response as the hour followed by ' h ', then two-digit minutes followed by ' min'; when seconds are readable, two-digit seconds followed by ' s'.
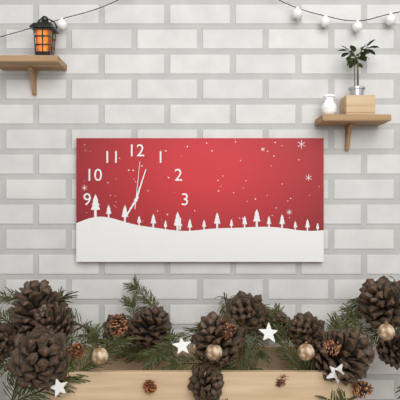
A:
7 h 03 min
